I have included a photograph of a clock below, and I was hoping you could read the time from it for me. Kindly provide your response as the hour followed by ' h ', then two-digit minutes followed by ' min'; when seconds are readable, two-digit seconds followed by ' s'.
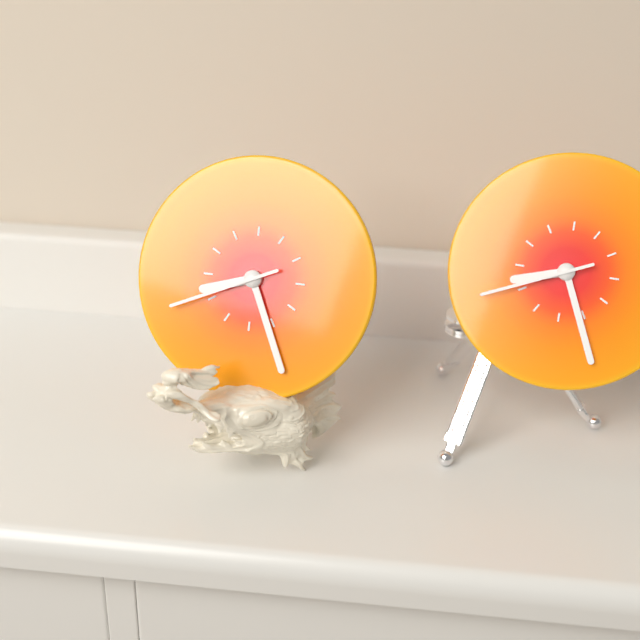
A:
8 h 26 min 41 s
